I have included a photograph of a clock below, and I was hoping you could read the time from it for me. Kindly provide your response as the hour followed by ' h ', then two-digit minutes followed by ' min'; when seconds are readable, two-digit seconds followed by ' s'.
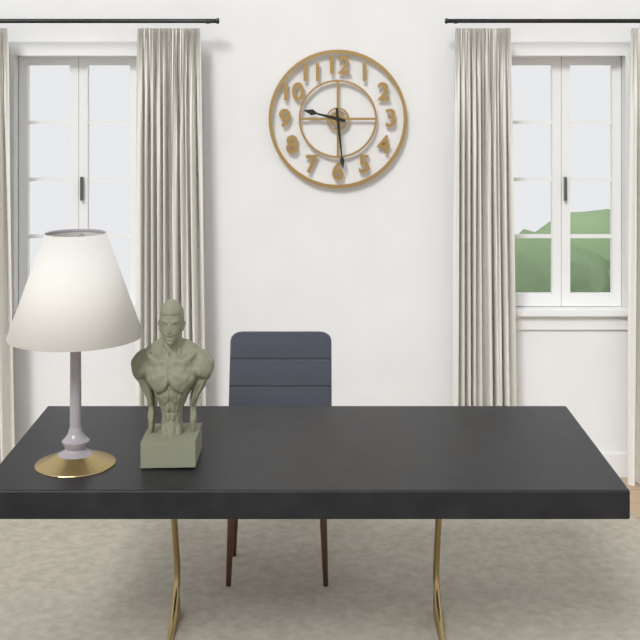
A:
9 h 29 min
